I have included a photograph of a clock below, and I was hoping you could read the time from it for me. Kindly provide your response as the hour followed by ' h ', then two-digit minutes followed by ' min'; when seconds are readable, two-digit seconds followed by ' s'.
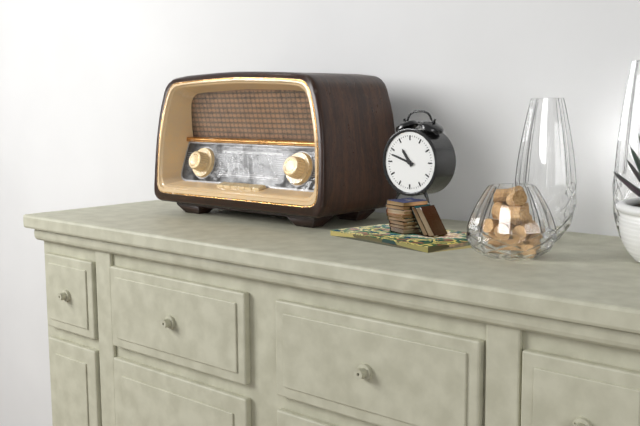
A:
10 h 48 min
